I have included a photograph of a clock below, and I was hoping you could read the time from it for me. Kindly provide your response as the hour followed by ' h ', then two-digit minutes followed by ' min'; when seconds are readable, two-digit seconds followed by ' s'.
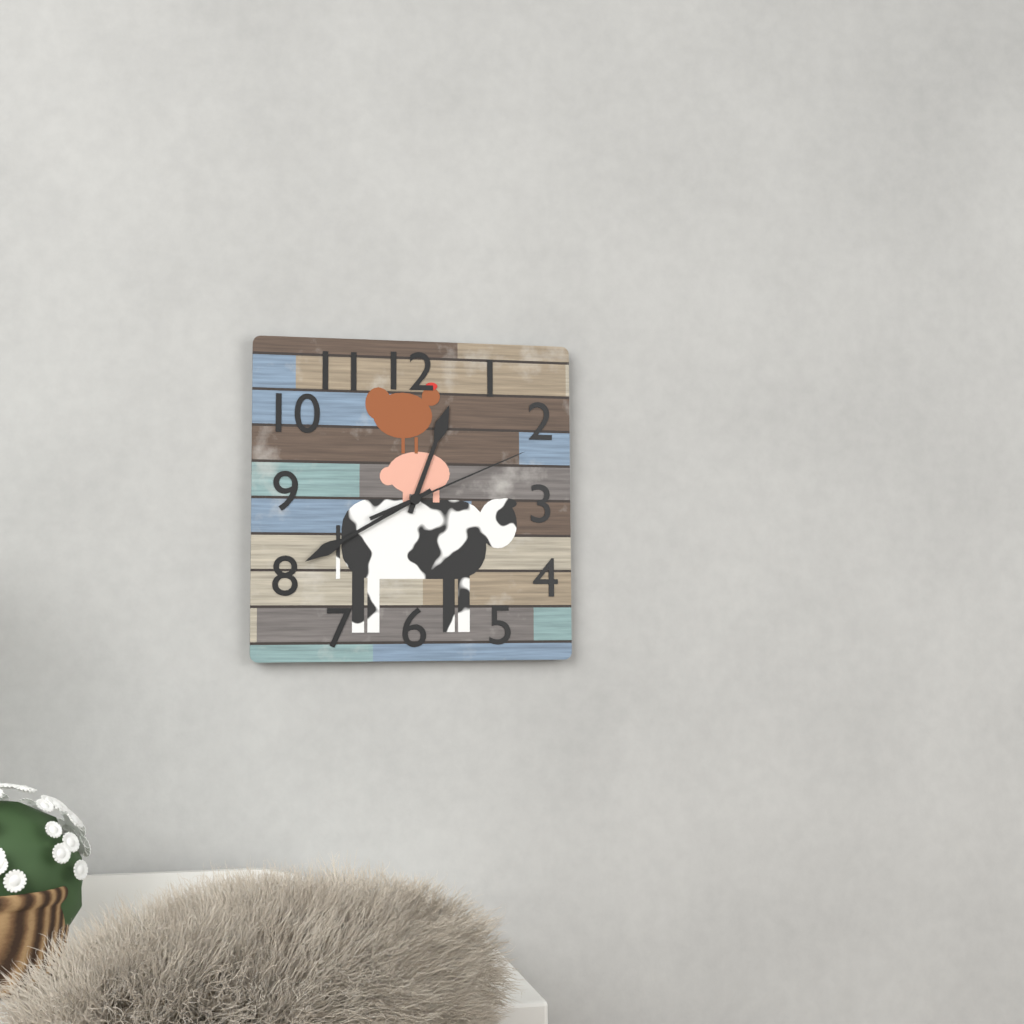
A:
12 h 40 min 11 s
